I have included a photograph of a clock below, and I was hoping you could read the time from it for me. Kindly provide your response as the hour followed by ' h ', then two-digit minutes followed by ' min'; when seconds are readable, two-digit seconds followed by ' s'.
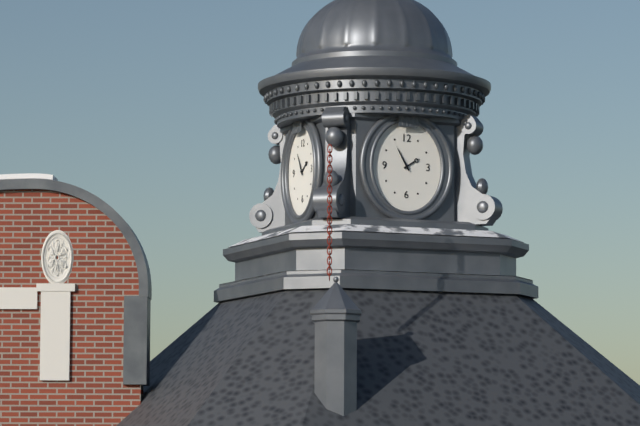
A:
1 h 55 min
